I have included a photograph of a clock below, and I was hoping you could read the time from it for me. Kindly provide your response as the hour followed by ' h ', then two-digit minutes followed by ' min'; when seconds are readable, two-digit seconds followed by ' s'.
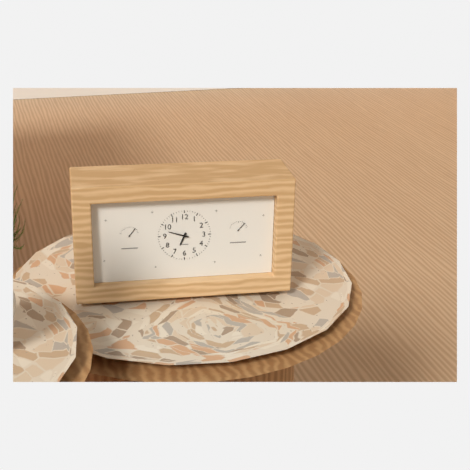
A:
6 h 48 min
